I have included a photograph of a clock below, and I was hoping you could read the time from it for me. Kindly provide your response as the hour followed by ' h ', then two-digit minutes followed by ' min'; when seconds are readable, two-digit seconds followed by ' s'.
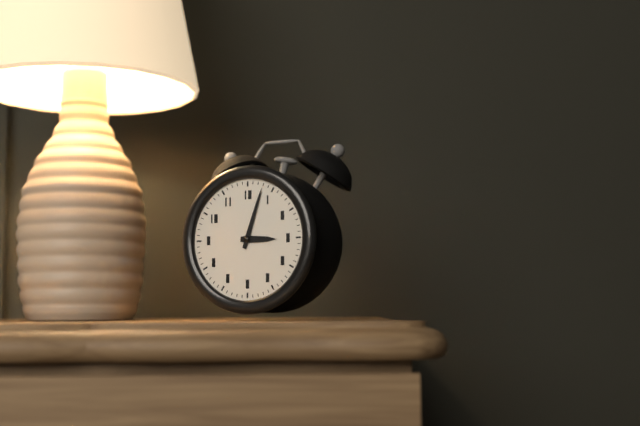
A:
3 h 03 min
